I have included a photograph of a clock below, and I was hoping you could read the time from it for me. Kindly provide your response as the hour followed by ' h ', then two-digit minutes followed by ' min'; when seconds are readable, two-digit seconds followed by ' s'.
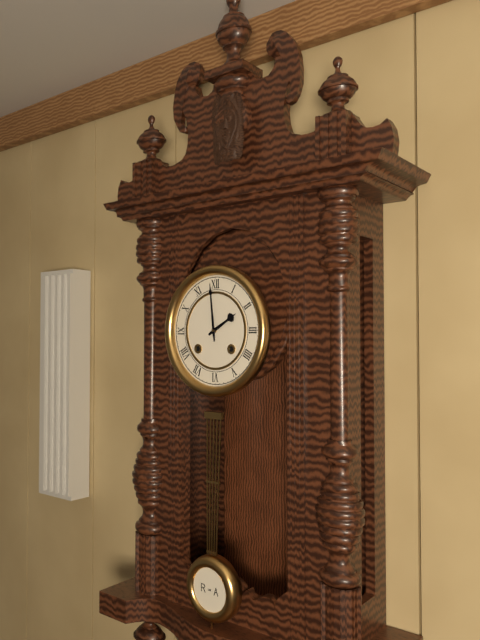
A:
1 h 59 min
